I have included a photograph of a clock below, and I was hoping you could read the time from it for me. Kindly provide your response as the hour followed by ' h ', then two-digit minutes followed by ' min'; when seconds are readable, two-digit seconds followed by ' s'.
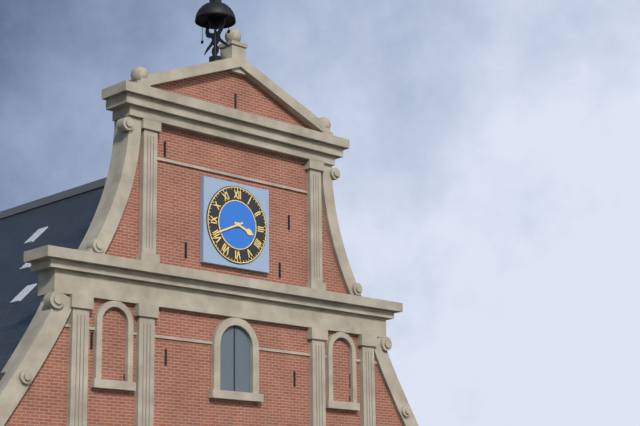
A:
3 h 41 min
